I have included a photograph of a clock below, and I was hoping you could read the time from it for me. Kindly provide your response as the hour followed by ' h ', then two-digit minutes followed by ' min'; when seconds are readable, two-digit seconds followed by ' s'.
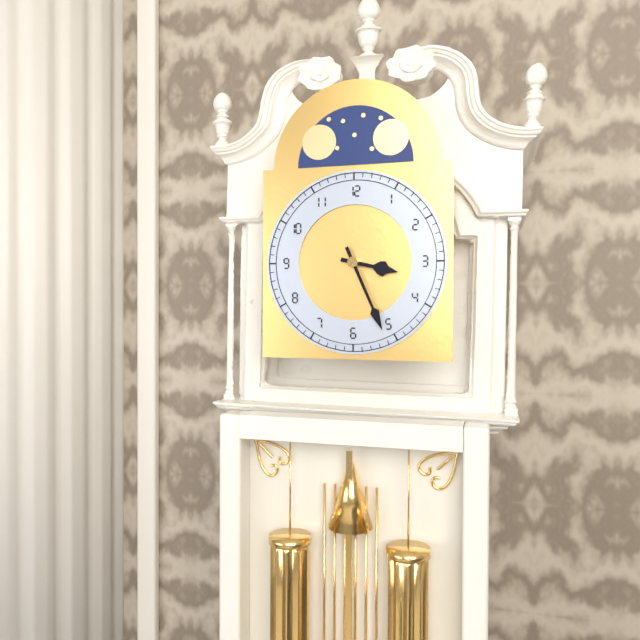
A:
3 h 26 min
